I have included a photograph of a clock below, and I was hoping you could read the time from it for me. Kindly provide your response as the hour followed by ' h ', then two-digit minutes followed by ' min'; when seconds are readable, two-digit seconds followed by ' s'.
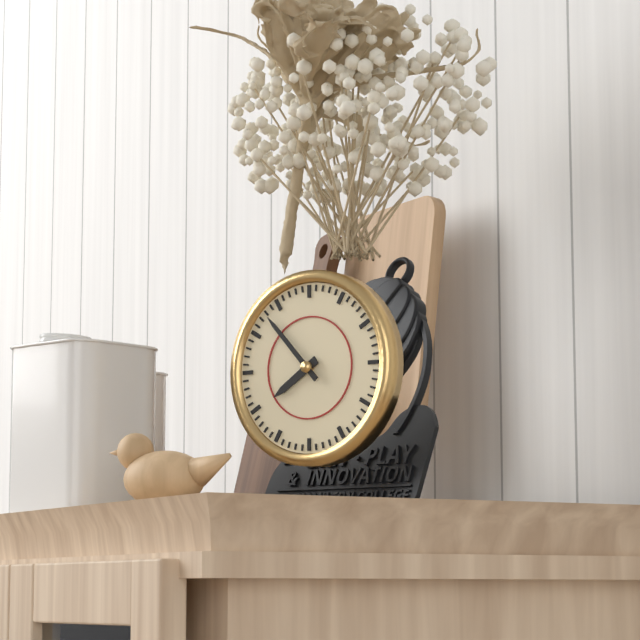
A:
7 h 53 min
